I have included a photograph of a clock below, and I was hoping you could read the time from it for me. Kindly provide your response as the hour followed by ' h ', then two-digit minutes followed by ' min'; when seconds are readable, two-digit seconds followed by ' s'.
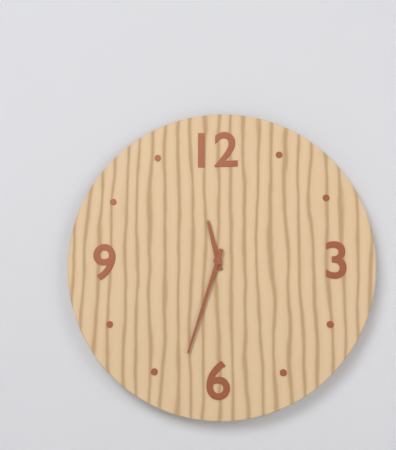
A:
11 h 33 min
